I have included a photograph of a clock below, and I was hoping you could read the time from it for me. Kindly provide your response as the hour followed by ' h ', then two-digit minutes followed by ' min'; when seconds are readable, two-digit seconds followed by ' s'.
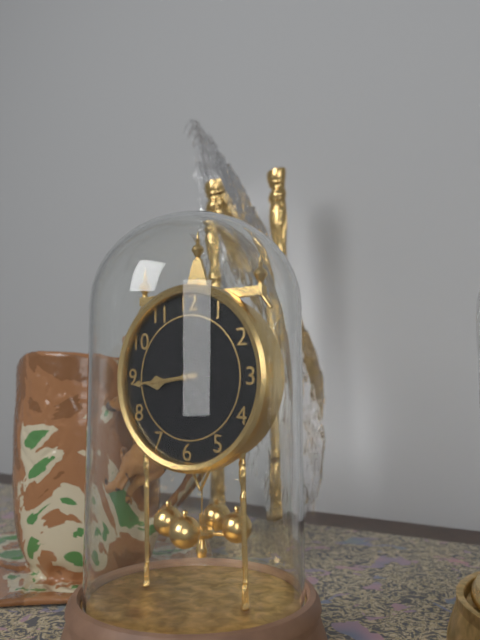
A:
8 h 44 min
